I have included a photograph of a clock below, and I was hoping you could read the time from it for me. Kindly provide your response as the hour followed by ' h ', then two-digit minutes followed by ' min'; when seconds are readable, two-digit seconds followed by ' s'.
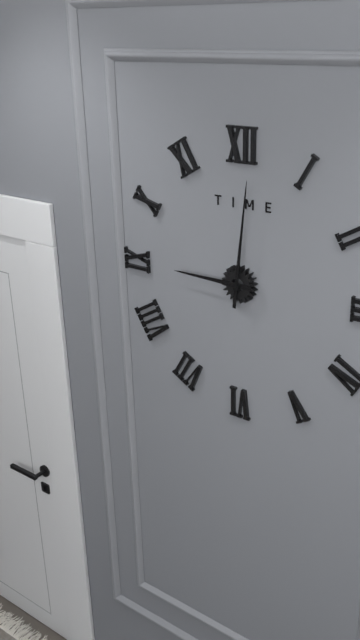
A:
9 h 01 min
